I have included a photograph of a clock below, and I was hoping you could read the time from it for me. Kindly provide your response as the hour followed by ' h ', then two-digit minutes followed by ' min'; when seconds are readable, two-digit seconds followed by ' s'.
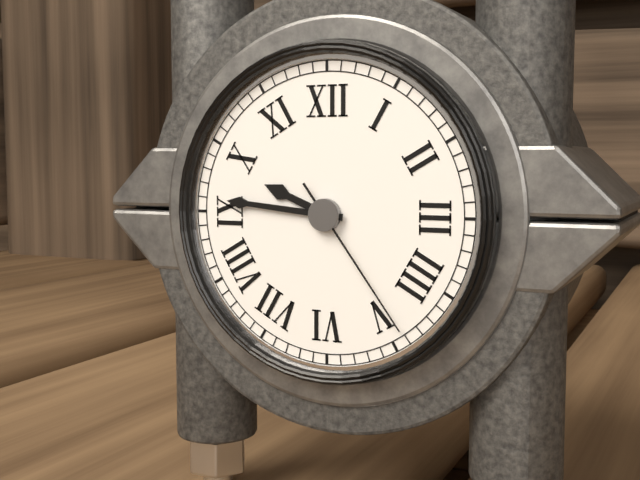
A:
9 h 46 min 24 s
